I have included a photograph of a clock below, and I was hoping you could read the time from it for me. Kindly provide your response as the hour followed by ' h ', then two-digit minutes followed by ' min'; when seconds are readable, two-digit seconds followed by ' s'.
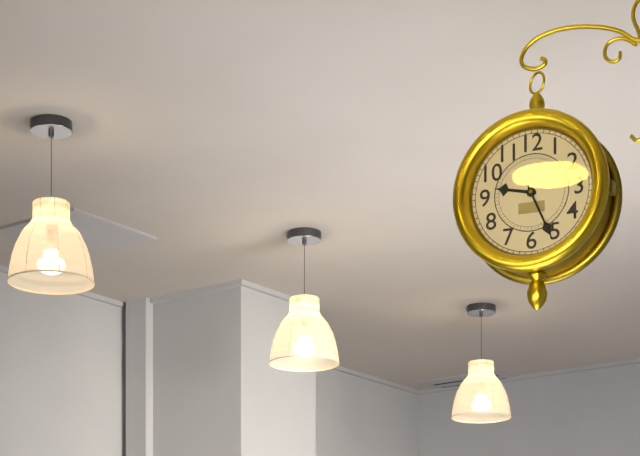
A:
9 h 26 min
